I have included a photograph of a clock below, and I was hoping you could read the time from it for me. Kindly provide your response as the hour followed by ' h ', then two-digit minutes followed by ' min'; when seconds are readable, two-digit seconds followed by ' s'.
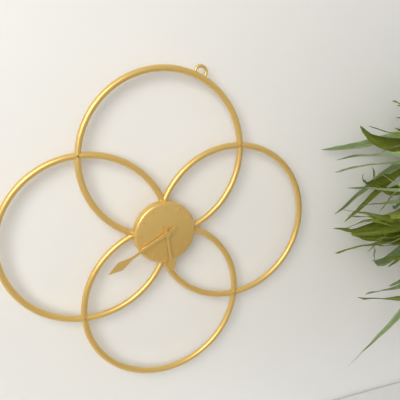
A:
5 h 40 min
